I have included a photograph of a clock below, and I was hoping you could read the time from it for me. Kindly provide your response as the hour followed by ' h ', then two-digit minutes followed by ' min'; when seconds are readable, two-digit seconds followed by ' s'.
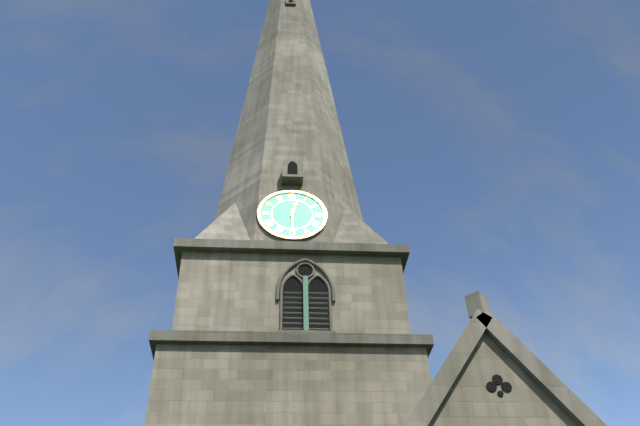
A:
12 h 30 min
